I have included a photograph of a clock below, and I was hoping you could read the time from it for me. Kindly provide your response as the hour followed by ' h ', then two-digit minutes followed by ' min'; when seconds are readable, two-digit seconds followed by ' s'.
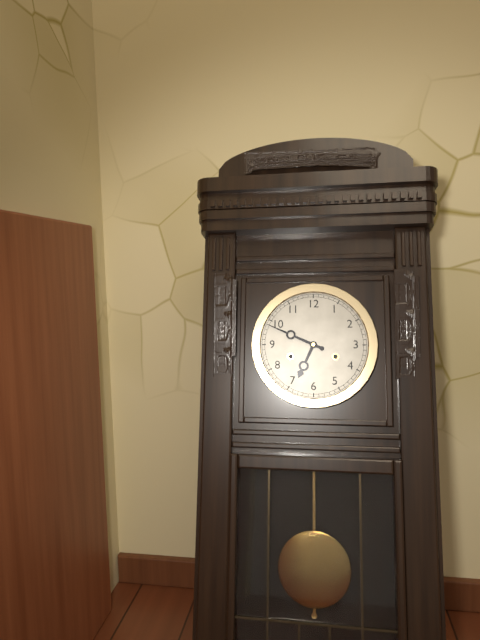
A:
6 h 49 min
